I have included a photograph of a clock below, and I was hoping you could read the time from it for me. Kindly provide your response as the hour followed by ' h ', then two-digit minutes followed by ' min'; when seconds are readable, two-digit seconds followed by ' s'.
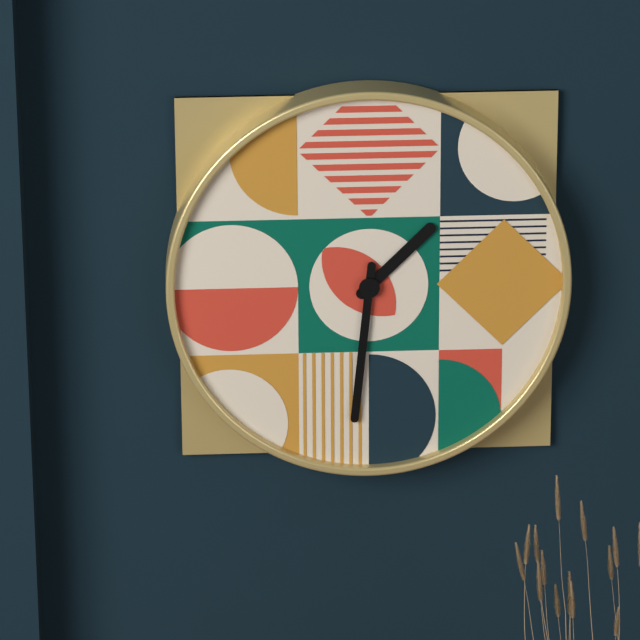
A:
1 h 31 min
